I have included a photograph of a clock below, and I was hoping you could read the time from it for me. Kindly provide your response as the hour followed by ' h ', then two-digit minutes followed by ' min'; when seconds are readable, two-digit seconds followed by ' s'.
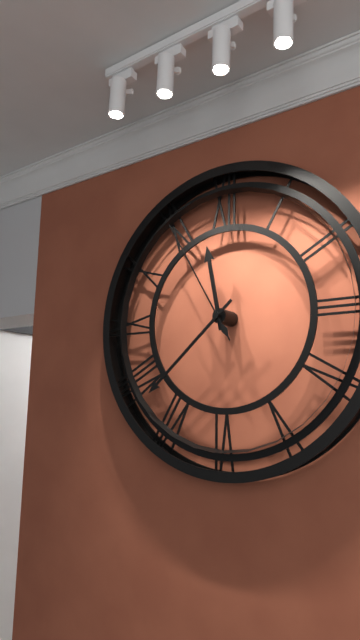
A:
11 h 38 min 55 s
